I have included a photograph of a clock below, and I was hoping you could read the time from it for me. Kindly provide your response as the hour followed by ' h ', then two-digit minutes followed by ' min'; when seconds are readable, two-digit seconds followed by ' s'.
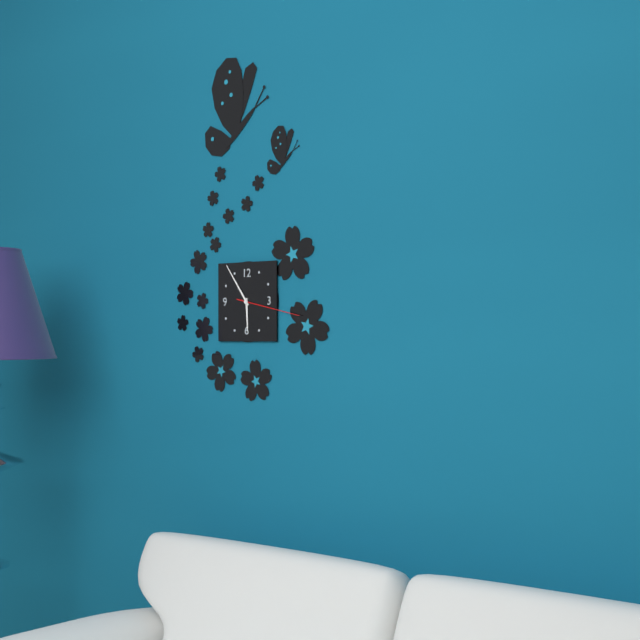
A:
5 h 54 min 17 s
